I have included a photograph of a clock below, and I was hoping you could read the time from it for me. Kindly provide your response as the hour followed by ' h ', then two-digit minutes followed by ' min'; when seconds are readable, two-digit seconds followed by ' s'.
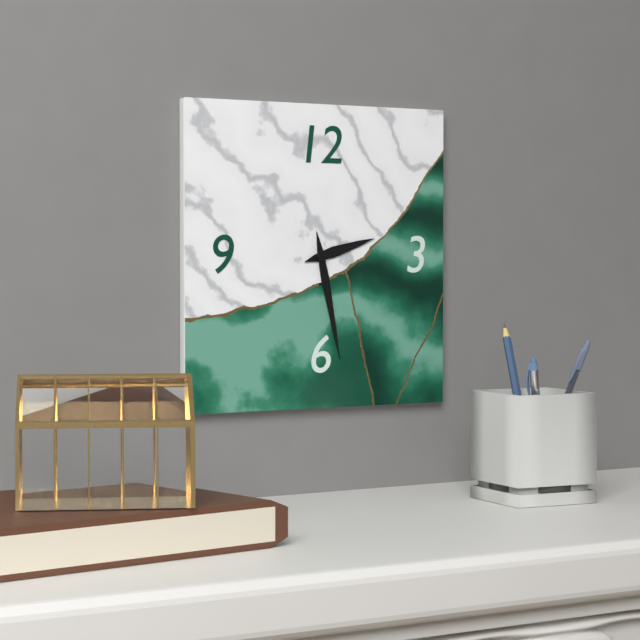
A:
2 h 28 min
